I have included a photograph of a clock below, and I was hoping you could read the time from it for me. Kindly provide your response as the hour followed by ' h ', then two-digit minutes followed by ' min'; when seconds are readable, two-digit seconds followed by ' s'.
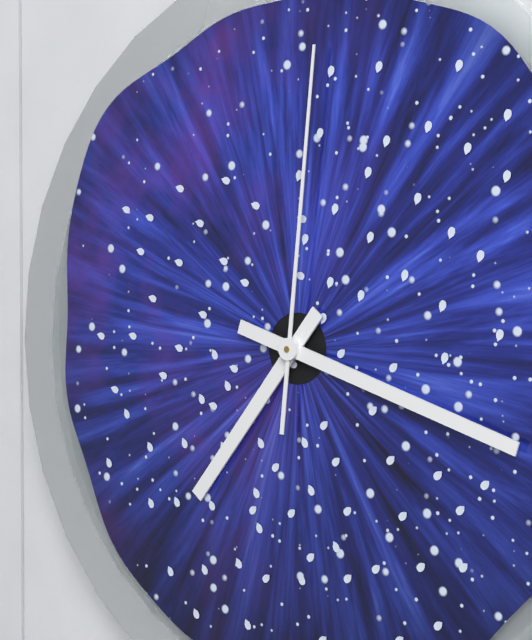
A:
7 h 18 min 01 s
